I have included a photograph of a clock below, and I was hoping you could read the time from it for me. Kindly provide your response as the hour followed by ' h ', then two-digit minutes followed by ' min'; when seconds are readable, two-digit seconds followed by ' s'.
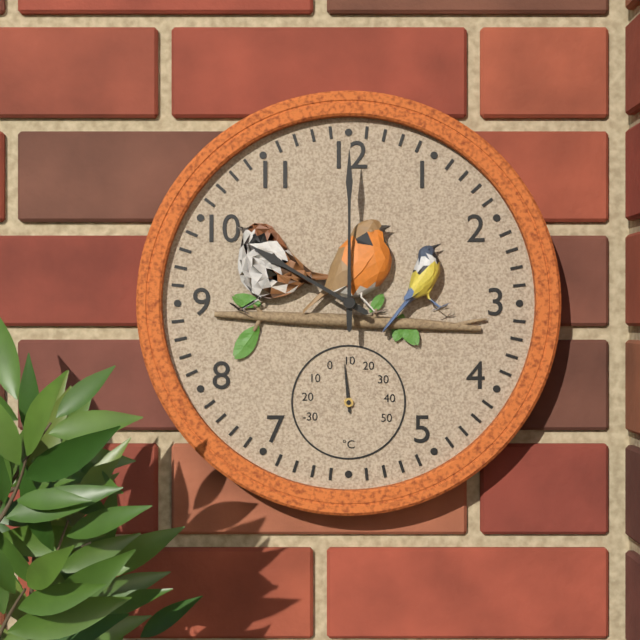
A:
10 h 00 min
